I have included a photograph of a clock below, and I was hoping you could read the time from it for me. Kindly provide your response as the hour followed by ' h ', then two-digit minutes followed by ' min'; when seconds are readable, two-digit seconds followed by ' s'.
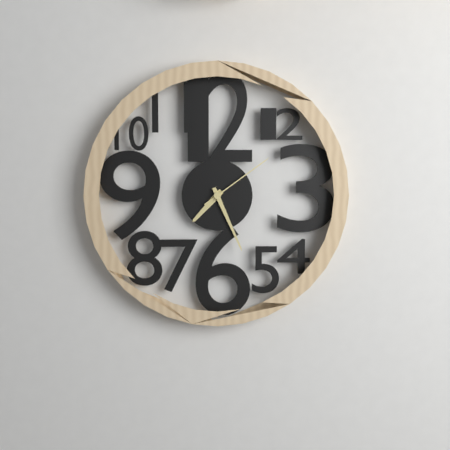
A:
7 h 26 min 09 s
